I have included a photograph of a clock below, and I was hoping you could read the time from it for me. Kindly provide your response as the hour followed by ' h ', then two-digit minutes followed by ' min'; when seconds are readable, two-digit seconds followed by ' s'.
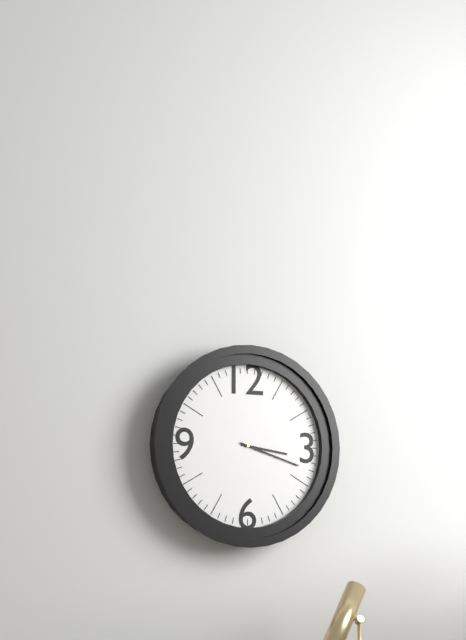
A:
3 h 18 min
